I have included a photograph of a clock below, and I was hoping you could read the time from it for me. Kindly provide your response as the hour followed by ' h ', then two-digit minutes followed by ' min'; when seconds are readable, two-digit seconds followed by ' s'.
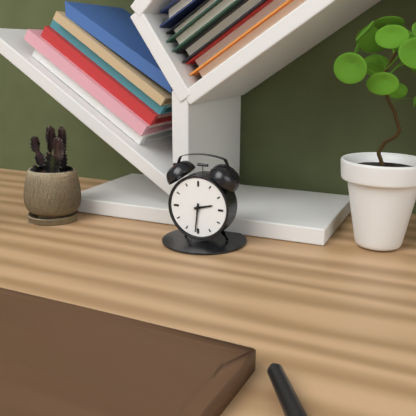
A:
2 h 31 min
